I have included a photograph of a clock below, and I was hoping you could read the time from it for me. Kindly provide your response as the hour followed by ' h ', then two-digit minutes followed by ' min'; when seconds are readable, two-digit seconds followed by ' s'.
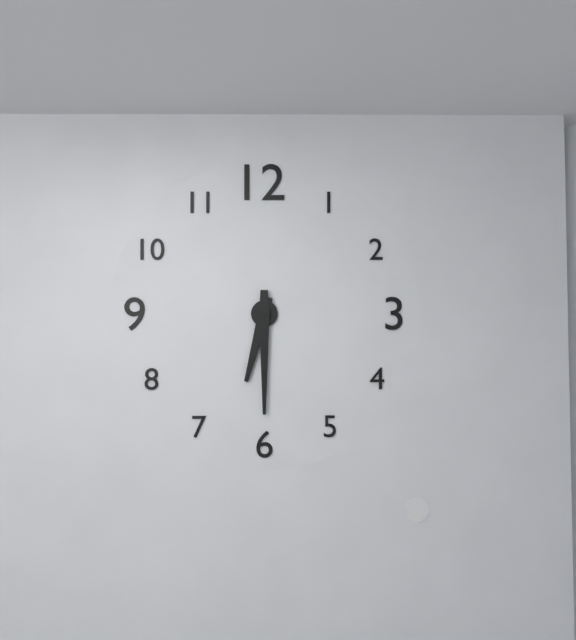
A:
6 h 30 min
